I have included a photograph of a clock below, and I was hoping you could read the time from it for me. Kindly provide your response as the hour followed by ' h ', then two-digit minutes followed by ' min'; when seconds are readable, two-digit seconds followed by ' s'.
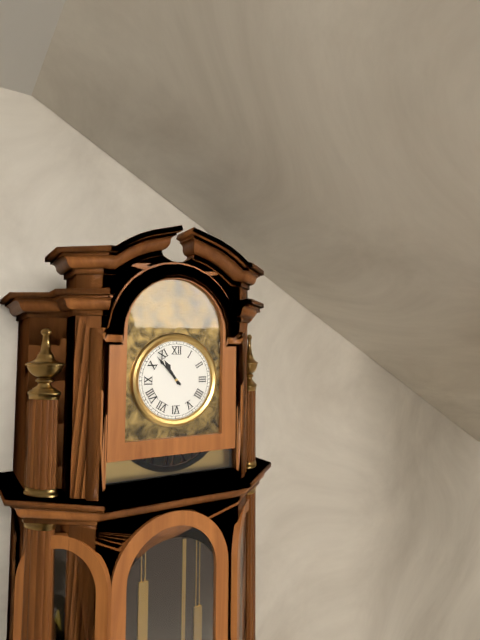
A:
10 h 53 min
